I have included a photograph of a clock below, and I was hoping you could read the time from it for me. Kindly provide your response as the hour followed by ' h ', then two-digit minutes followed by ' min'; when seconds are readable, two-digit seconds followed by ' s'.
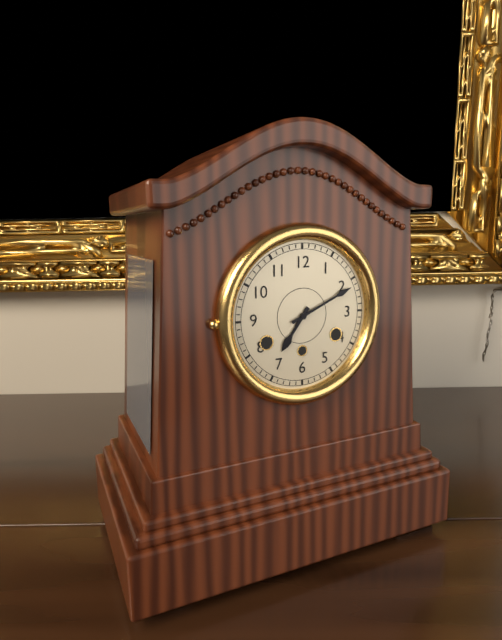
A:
7 h 11 min
